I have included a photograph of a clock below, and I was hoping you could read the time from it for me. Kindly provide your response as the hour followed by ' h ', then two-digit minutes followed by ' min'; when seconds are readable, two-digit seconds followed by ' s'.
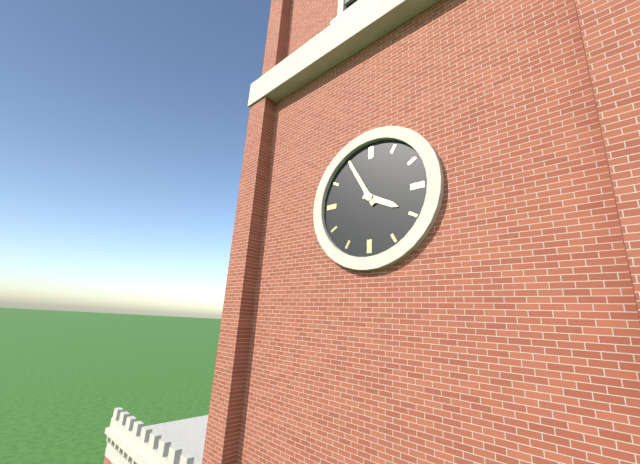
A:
3 h 55 min
